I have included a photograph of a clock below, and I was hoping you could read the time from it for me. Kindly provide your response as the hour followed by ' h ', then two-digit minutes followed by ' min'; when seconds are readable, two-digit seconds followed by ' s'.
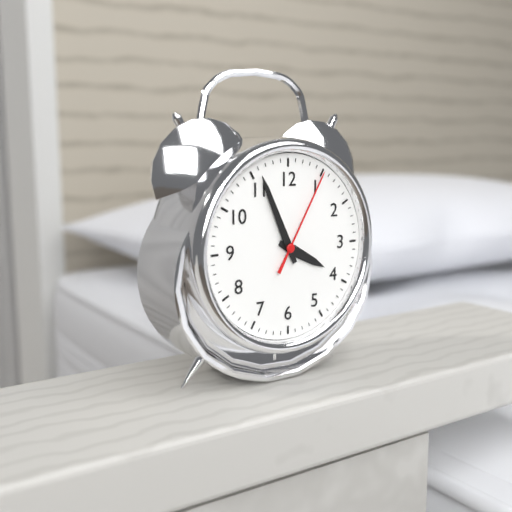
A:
3 h 56 min 05 s
